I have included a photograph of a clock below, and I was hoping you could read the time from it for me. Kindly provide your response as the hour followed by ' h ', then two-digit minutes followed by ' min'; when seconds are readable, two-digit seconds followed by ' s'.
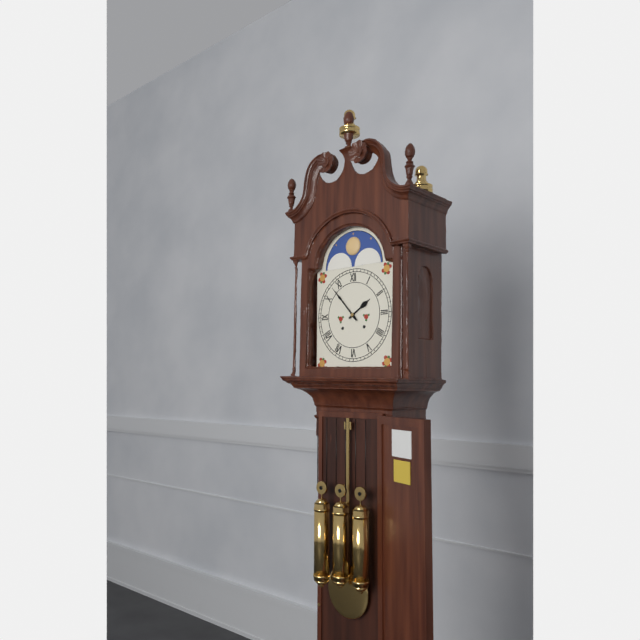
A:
1 h 53 min
